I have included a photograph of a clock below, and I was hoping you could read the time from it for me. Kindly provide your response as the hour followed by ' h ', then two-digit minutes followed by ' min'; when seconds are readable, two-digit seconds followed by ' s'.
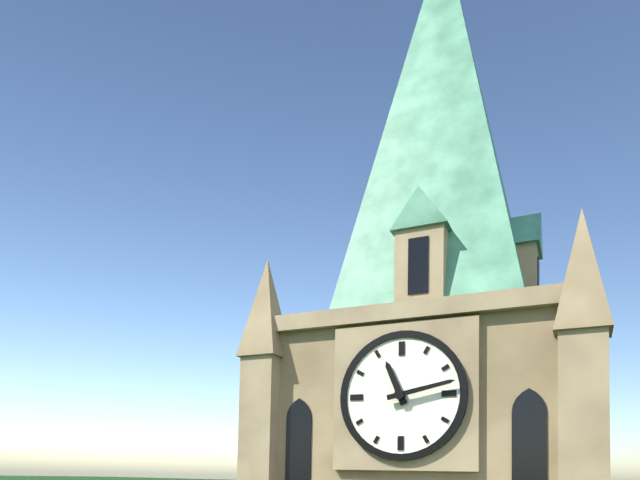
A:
11 h 13 min
